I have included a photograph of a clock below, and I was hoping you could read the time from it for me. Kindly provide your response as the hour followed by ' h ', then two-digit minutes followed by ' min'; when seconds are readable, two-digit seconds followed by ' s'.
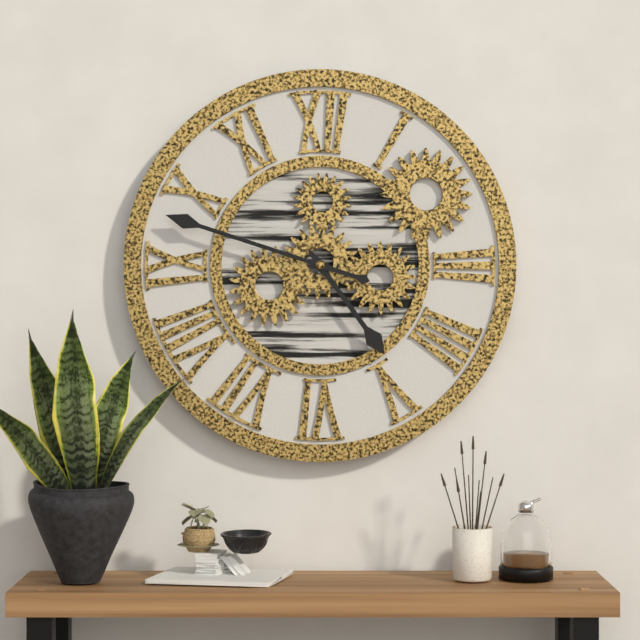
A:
4 h 48 min
